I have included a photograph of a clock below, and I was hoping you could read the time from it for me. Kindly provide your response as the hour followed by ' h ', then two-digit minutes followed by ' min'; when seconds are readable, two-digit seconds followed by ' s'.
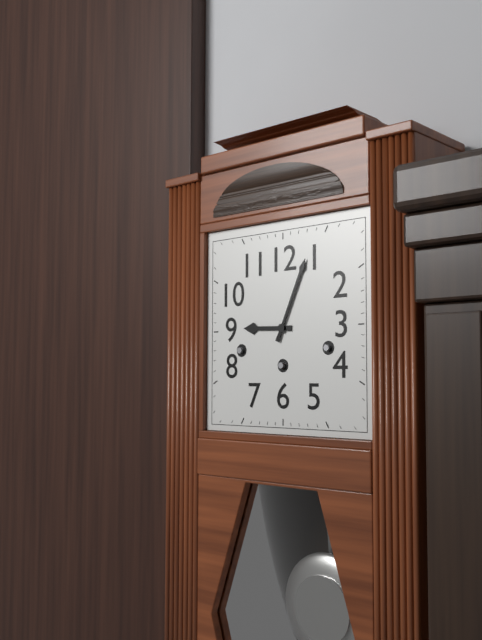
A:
9 h 04 min
